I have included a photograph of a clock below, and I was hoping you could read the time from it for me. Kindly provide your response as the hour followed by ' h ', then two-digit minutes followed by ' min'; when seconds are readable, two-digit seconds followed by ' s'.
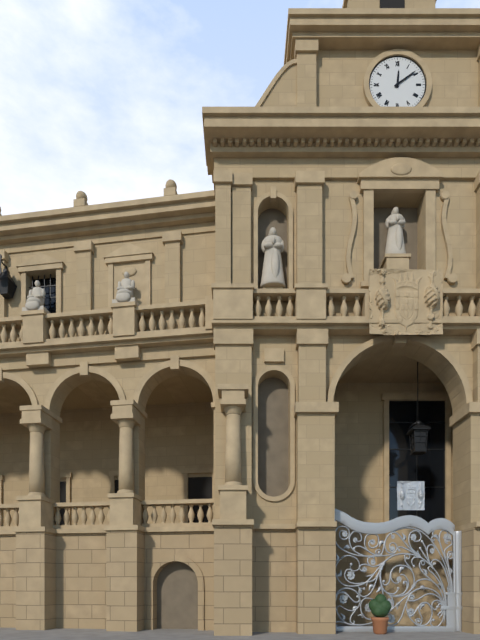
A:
12 h 09 min
